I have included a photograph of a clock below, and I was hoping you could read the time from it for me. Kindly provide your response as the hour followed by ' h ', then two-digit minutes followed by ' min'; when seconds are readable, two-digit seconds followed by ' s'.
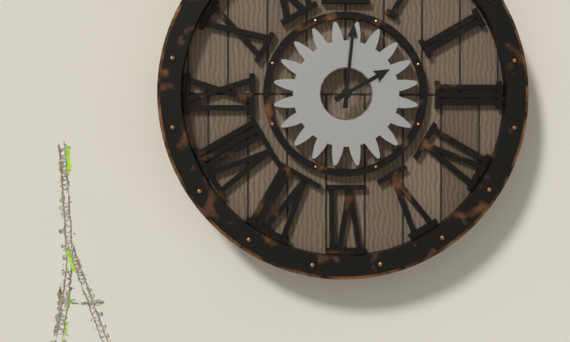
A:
2 h 01 min
